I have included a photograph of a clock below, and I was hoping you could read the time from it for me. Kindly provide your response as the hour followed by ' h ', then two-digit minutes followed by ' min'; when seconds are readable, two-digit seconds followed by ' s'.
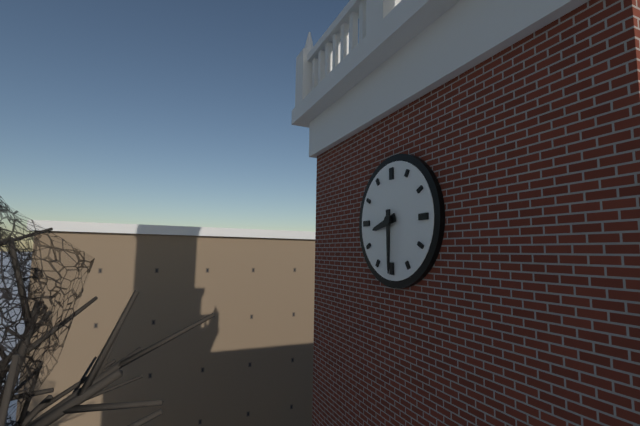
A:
8 h 30 min
